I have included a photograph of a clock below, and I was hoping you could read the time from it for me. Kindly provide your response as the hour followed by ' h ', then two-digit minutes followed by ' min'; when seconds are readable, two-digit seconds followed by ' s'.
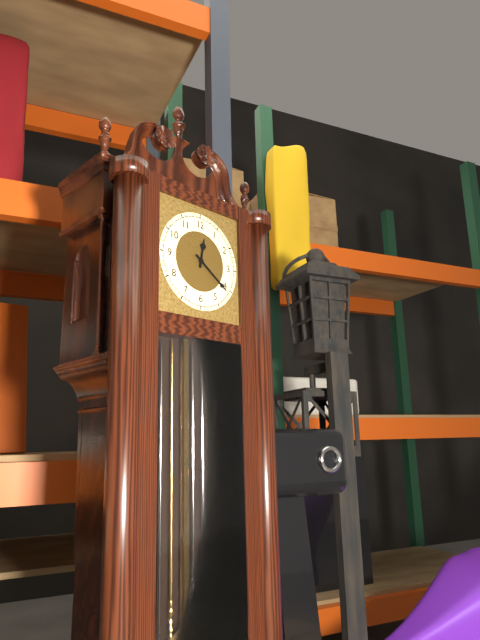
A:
12 h 21 min
